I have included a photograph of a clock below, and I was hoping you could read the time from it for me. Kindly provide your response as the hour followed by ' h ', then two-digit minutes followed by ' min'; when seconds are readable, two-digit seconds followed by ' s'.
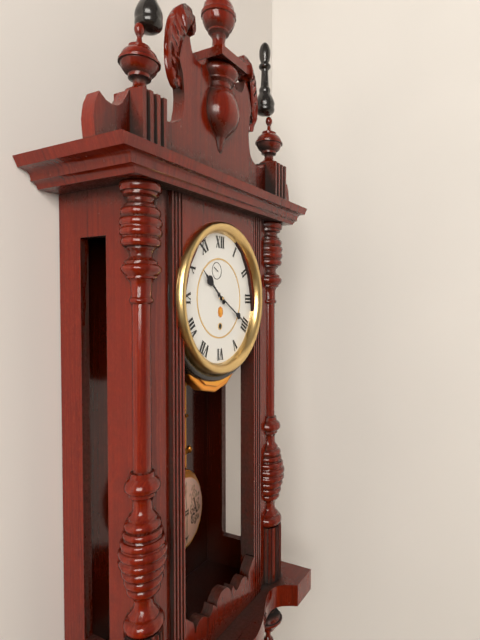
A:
10 h 20 min
